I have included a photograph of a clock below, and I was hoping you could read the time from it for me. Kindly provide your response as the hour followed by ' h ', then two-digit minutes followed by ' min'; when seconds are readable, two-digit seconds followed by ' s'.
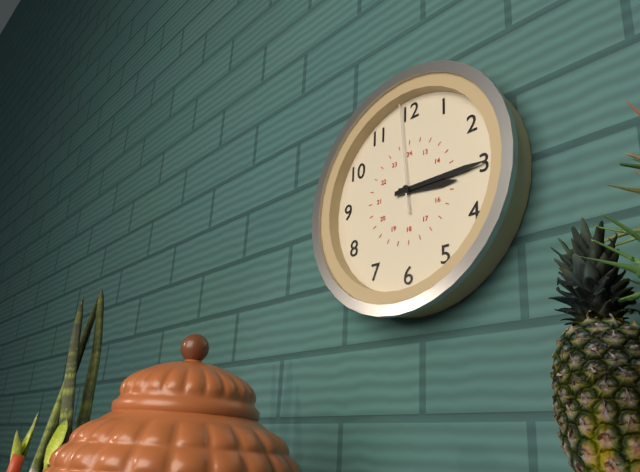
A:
3 h 15 min 59 s
